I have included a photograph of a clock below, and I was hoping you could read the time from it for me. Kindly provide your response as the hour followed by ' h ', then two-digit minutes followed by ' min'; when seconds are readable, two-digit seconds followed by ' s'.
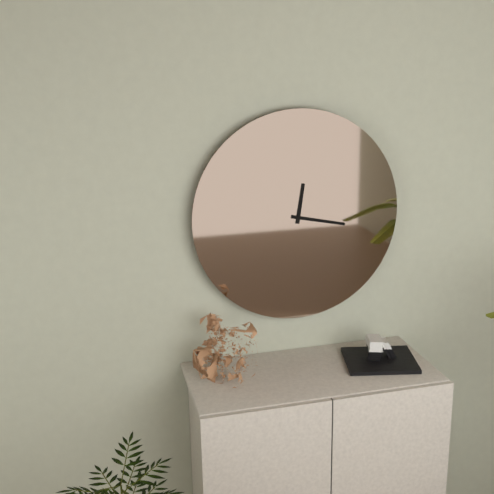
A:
12 h 17 min
